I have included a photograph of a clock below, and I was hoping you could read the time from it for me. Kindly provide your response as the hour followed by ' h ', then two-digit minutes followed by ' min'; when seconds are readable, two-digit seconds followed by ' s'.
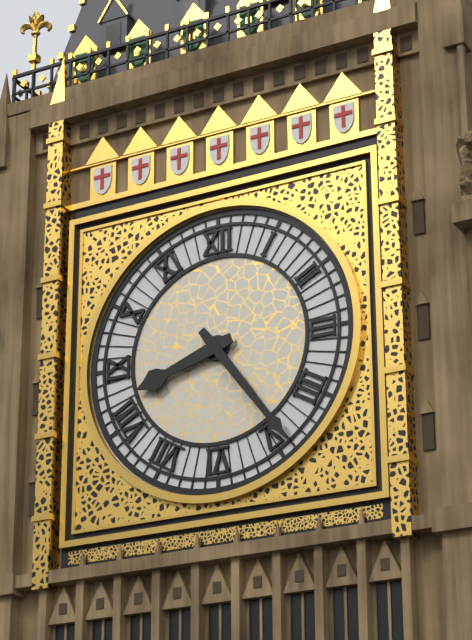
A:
8 h 24 min
